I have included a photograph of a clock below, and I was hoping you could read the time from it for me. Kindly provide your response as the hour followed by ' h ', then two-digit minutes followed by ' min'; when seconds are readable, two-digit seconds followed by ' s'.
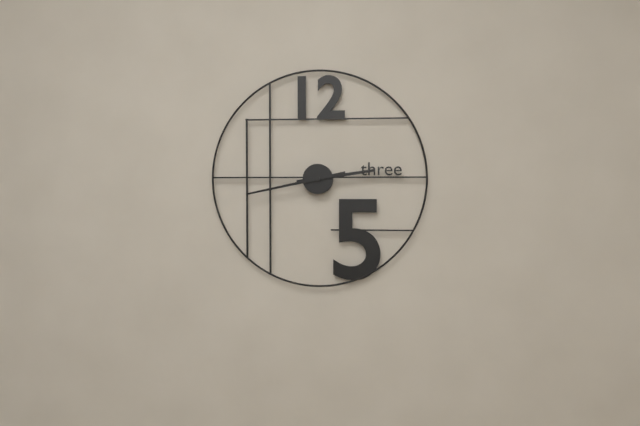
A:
2 h 43 min
